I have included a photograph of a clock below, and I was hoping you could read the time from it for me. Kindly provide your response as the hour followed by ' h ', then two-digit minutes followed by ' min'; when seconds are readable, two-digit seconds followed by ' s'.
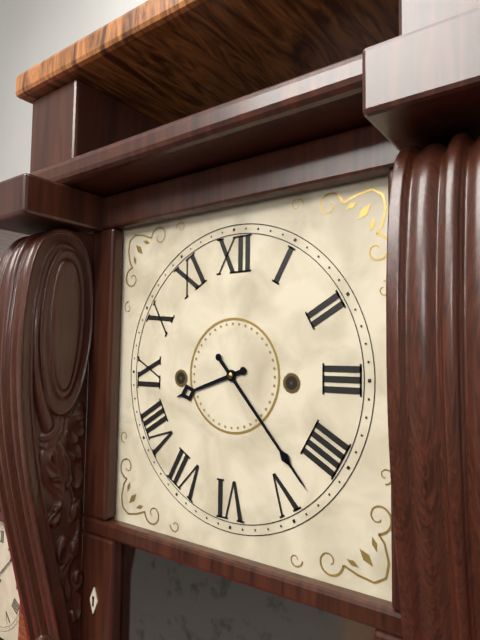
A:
8 h 23 min
